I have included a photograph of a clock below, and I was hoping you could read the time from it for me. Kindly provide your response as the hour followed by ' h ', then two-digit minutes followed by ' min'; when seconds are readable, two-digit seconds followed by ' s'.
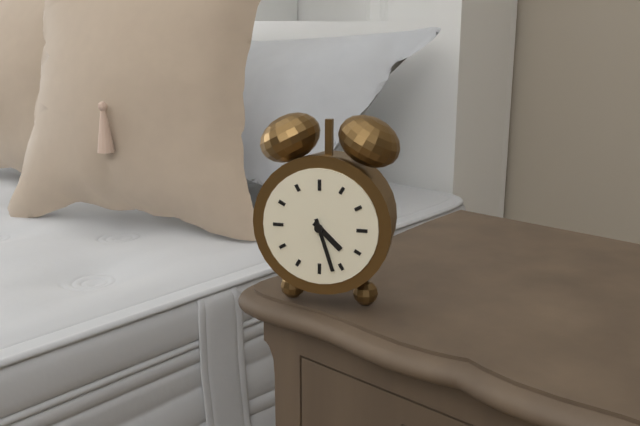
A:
4 h 27 min
